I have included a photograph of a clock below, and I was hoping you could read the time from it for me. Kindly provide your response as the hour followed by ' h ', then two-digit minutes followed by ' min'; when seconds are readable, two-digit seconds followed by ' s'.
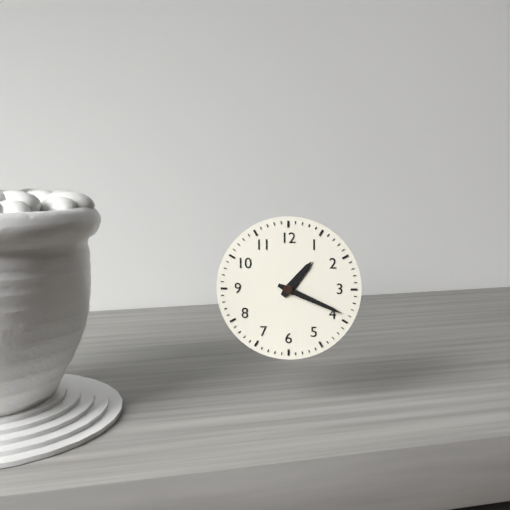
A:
1 h 19 min
